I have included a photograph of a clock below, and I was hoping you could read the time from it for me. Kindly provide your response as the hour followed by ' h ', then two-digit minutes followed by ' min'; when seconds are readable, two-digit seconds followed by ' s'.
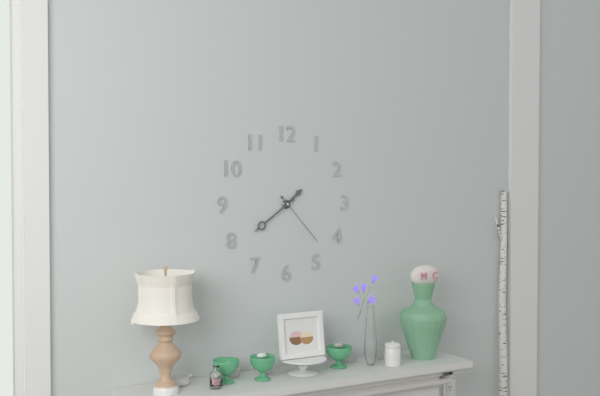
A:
1 h 39 min 23 s
